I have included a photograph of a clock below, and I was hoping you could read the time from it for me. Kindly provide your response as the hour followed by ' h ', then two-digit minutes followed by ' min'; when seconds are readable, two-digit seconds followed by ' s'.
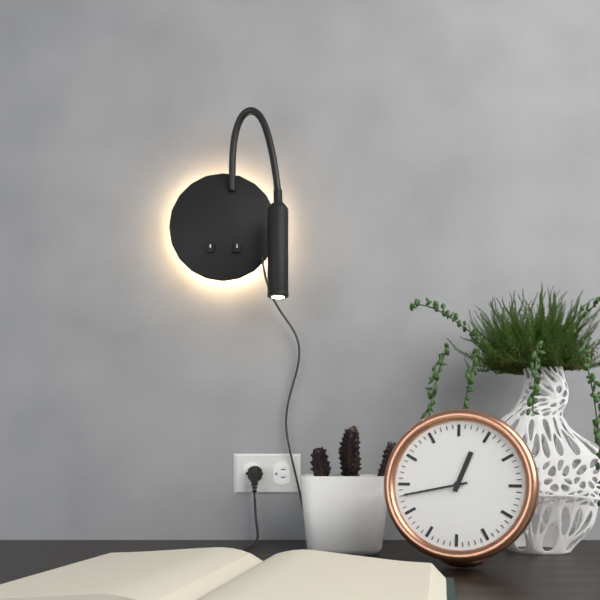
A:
12 h 43 min
